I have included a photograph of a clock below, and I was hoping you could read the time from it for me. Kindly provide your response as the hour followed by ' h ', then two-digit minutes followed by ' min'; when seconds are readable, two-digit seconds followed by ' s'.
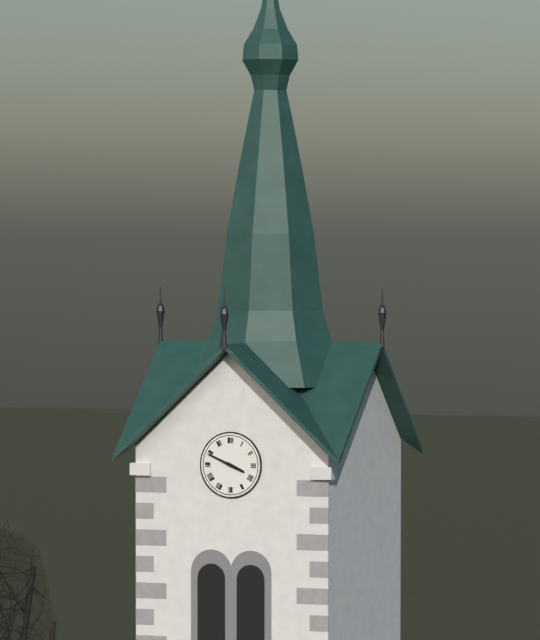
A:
3 h 49 min
